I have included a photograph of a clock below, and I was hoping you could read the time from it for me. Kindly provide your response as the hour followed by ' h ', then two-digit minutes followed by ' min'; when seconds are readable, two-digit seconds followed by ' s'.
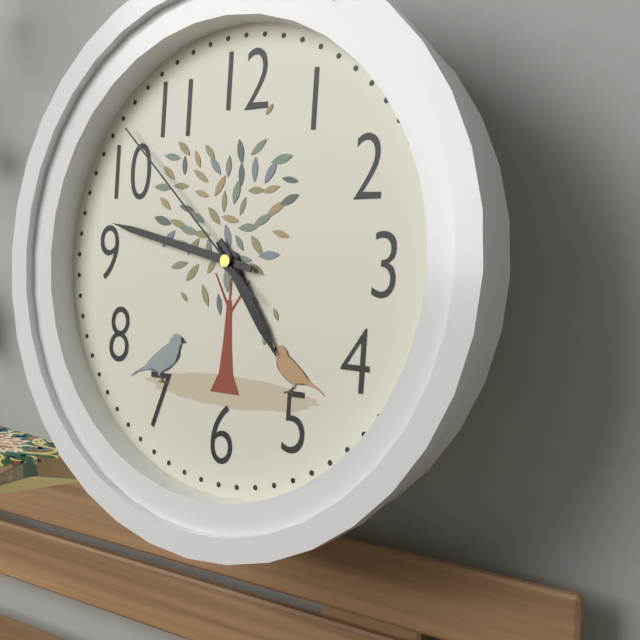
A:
4 h 47 min 52 s
